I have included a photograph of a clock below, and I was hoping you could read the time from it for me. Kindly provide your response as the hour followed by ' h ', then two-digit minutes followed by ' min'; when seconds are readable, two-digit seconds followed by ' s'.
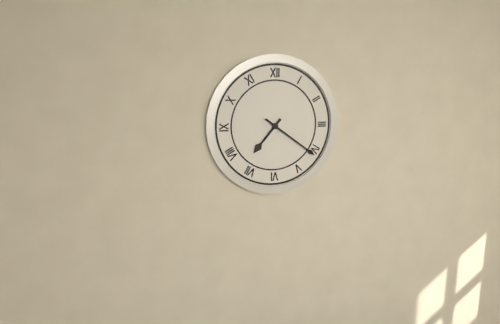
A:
7 h 21 min
